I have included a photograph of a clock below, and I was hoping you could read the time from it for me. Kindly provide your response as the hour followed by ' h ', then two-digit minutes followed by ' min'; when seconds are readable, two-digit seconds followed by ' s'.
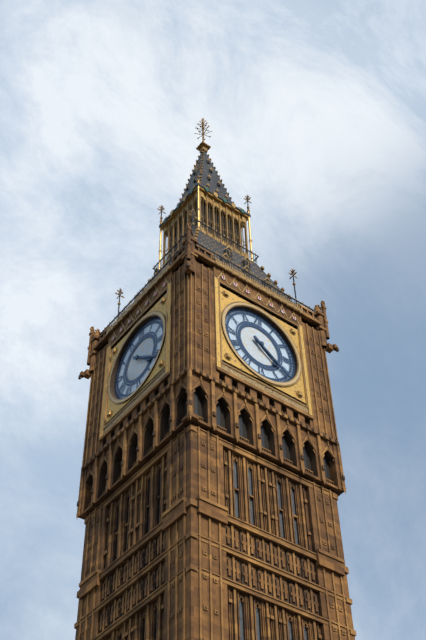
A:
4 h 21 min
